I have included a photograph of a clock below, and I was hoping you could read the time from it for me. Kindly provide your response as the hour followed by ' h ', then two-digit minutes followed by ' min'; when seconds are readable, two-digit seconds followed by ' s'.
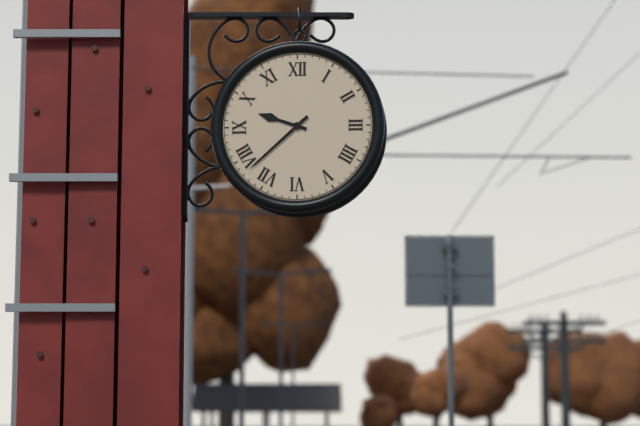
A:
9 h 38 min
